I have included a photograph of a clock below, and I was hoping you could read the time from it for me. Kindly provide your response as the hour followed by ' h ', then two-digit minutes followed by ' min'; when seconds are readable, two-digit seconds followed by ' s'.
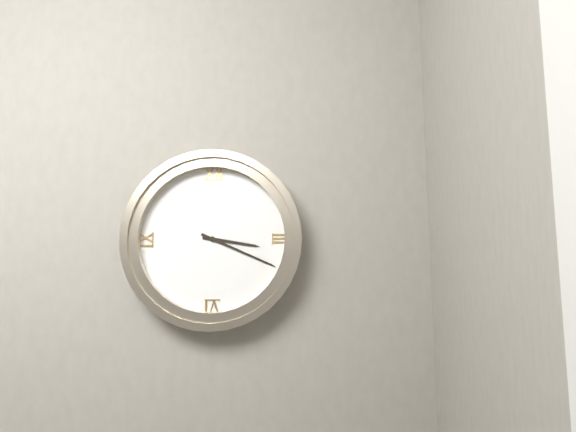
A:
3 h 19 min
